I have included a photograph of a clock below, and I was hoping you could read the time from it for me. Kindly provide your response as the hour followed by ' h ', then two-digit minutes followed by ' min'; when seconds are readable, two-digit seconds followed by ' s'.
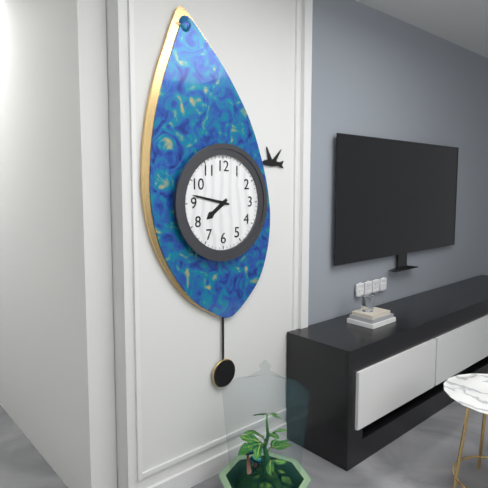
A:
7 h 47 min
